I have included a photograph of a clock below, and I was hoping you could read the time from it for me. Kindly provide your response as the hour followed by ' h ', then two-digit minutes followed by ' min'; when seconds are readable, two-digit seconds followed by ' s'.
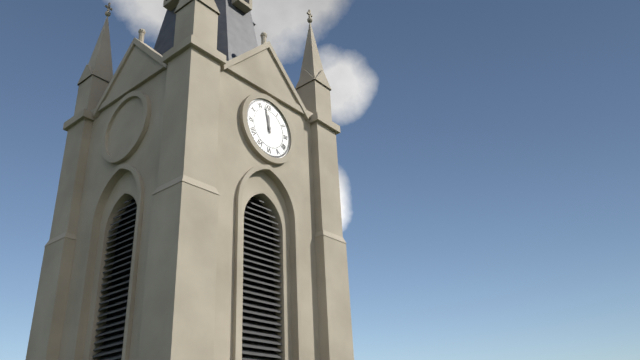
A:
11 h 58 min
